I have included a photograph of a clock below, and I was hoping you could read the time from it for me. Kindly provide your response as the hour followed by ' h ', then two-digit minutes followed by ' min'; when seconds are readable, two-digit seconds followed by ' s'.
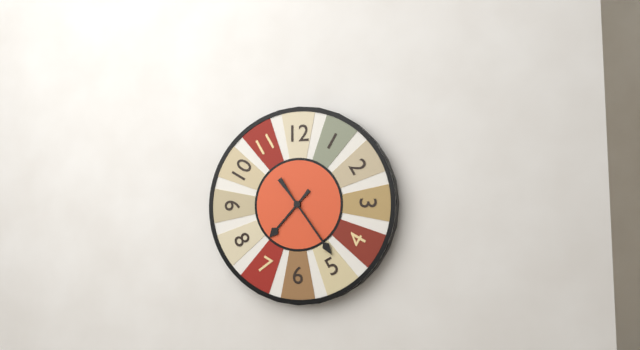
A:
7 h 24 min
